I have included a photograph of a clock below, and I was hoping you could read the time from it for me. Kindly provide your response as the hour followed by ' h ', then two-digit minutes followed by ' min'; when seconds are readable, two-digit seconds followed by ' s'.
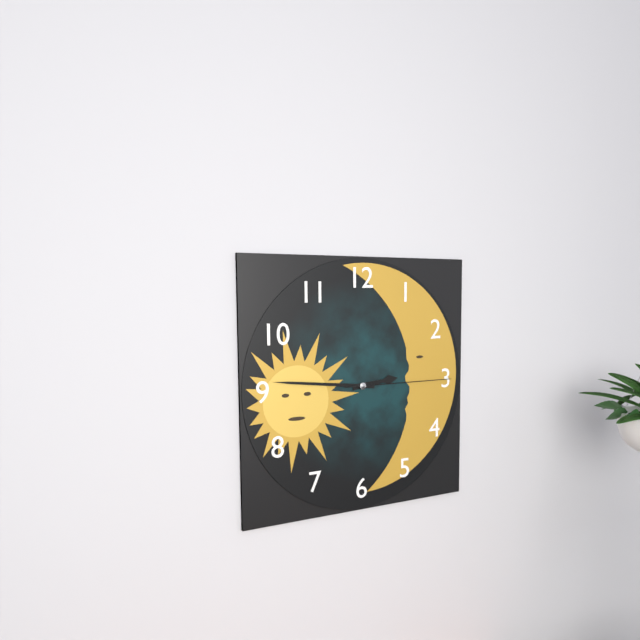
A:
2 h 46 min 15 s
